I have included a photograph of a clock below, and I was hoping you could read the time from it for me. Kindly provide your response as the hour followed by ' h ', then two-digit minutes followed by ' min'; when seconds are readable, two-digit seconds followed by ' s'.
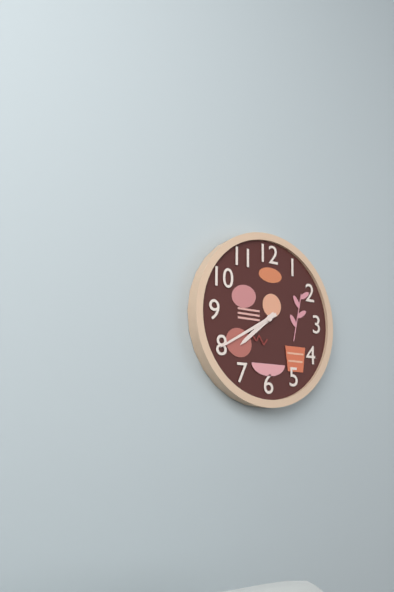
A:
7 h 40 min
